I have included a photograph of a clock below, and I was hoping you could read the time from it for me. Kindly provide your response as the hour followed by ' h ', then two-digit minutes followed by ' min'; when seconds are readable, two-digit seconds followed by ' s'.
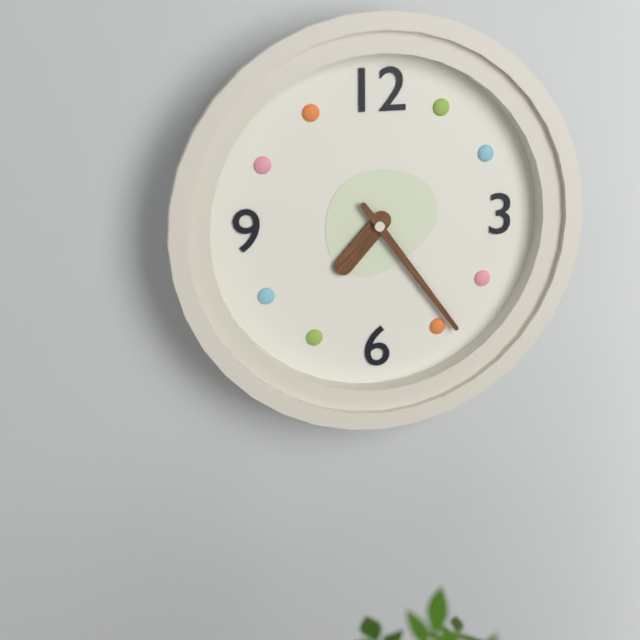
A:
7 h 24 min
